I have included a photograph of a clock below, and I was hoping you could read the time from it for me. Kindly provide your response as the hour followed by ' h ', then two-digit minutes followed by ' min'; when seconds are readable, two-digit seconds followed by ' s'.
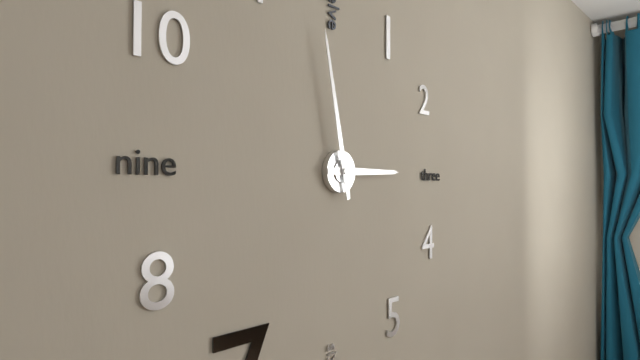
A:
2 h 58 min
